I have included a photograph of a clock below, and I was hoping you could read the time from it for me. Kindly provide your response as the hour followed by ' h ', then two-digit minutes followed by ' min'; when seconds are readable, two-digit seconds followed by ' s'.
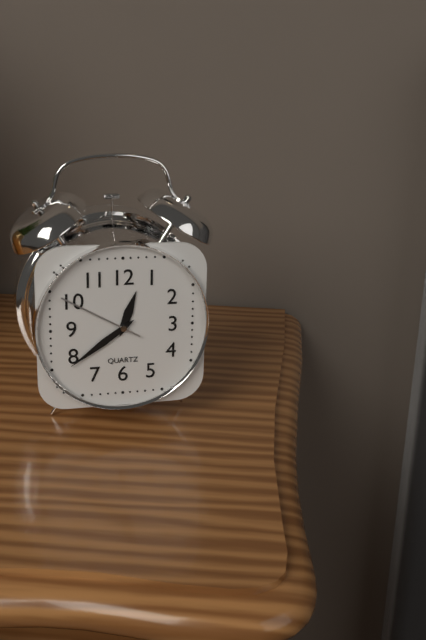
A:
12 h 39 min 50 s
